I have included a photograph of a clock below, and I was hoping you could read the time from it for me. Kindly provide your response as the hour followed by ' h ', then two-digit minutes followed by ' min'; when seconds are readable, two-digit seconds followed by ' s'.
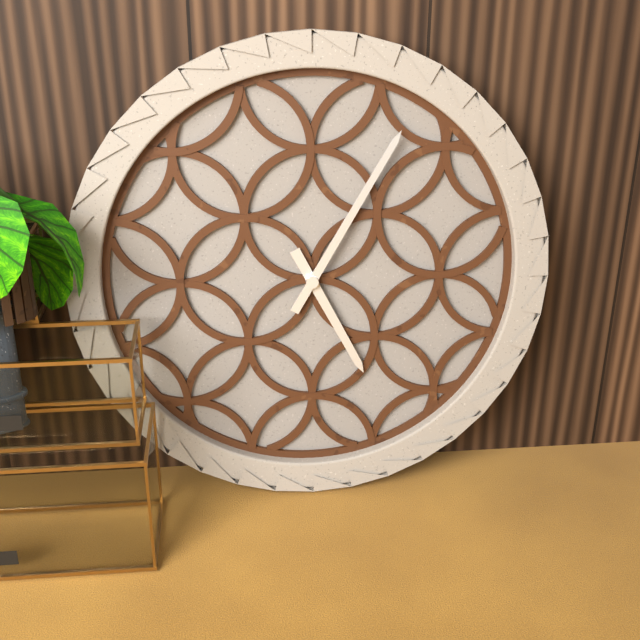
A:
5 h 05 min
